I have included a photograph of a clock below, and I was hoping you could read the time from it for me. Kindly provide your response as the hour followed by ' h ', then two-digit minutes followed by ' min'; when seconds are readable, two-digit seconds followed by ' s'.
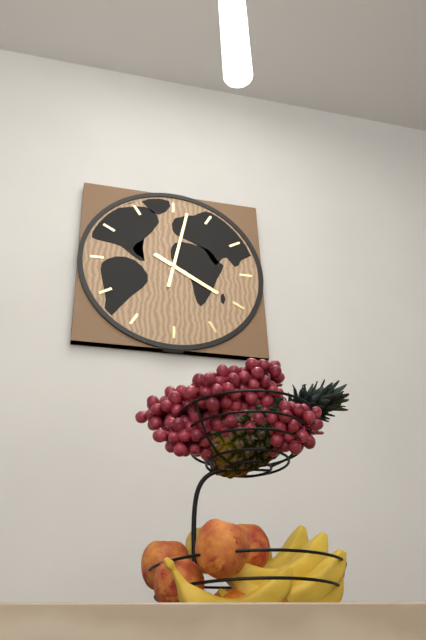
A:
4 h 02 min
